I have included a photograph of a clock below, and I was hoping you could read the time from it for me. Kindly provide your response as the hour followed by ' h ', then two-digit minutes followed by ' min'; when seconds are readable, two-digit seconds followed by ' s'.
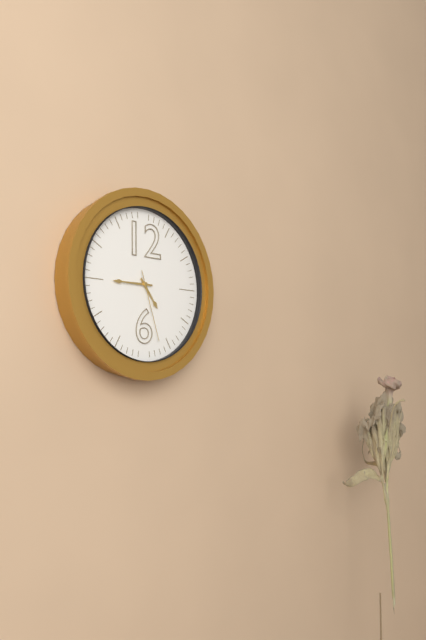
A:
4 h 45 min 27 s
